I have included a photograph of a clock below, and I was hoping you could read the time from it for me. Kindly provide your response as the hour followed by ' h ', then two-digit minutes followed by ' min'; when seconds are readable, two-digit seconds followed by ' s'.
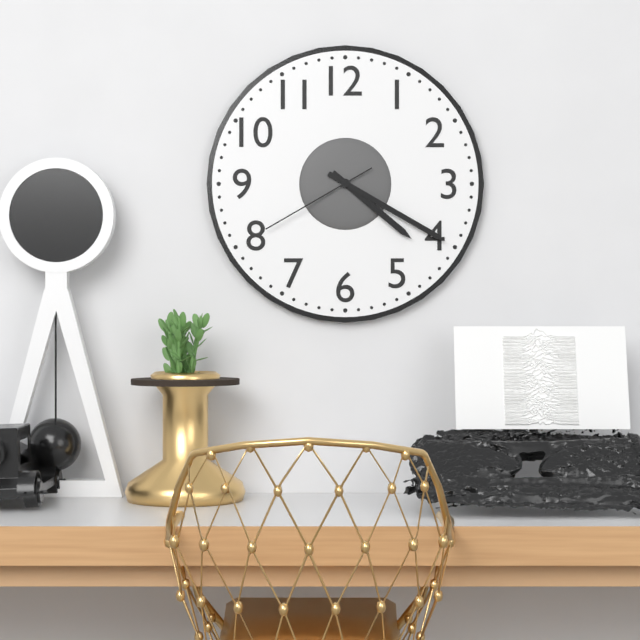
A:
4 h 20 min 40 s
